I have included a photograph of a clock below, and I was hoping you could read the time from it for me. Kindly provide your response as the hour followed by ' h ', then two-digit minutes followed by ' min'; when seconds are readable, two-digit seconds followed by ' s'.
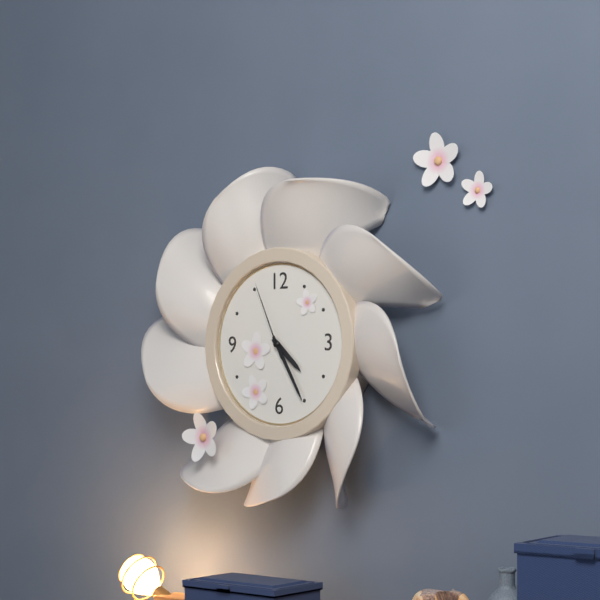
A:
4 h 25 min 56 s
